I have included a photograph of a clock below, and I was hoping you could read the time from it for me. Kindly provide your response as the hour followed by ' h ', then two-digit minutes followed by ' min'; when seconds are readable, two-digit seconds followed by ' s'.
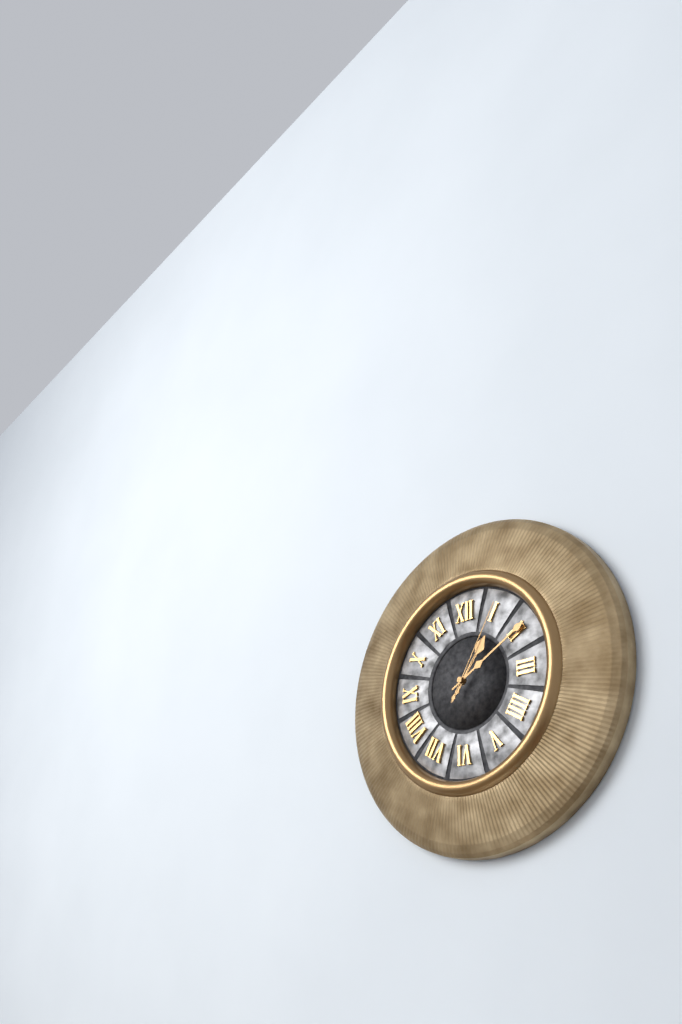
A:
1 h 10 min 05 s
